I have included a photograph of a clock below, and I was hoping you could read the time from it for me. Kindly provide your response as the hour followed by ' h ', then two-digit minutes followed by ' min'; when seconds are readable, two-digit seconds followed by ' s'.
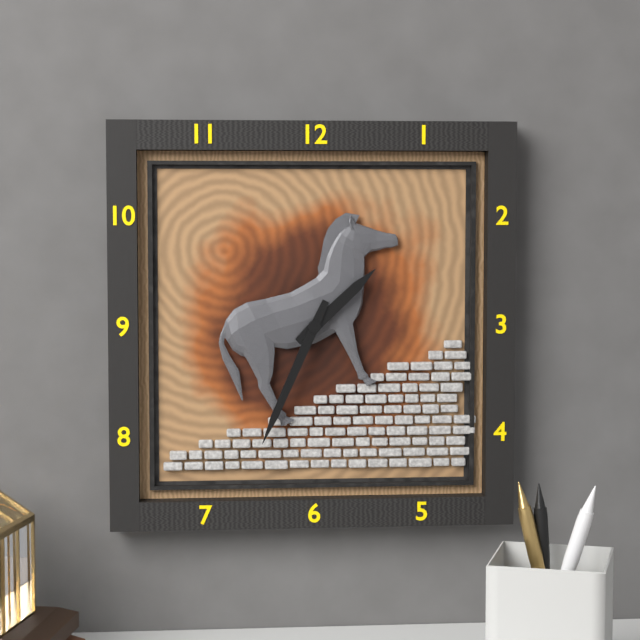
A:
1 h 34 min
